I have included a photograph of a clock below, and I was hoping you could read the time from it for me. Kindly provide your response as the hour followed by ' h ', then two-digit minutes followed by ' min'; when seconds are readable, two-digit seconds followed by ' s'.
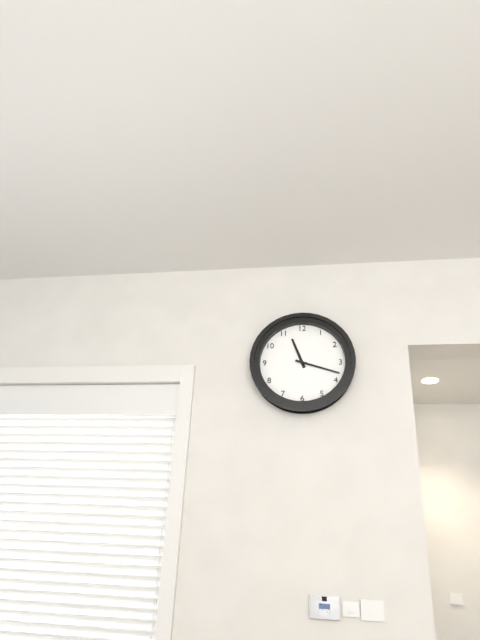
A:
11 h 18 min
